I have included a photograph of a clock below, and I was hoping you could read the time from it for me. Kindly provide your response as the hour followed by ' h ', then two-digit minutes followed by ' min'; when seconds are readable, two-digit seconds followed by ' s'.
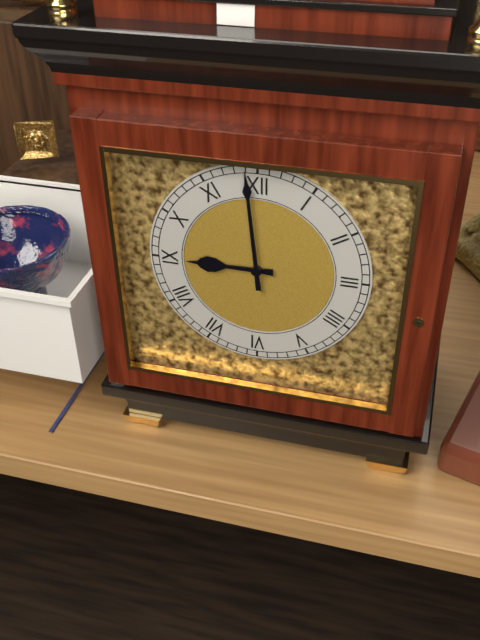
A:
8 h 59 min
